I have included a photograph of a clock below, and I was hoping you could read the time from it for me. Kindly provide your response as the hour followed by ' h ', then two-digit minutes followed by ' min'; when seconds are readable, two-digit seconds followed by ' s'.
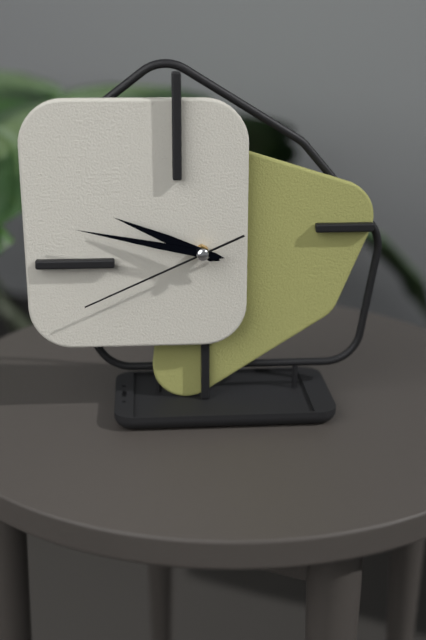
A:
9 h 47 min 41 s
